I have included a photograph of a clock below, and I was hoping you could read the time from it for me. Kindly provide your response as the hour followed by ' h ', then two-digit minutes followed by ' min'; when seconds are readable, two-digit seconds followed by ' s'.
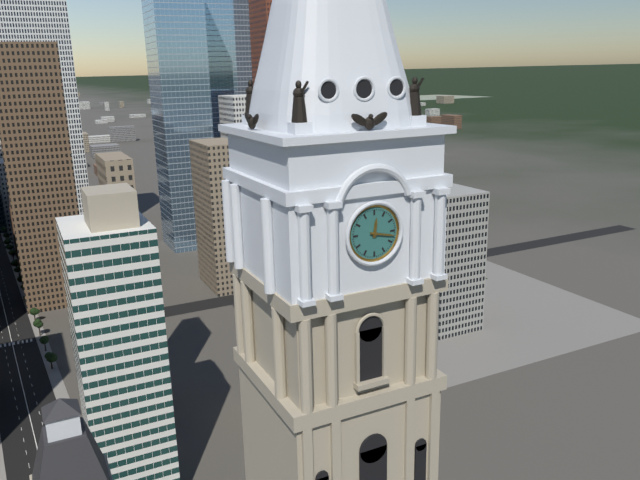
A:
12 h 17 min
